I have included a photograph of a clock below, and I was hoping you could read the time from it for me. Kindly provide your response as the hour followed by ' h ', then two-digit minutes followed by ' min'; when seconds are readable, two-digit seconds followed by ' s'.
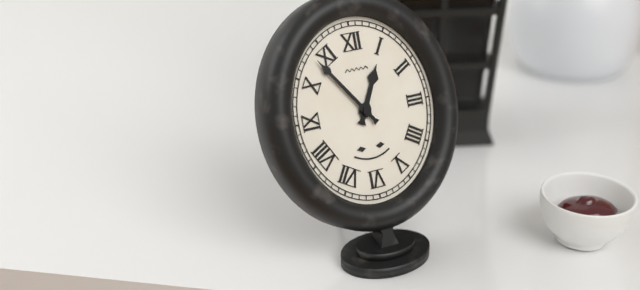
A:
12 h 54 min
